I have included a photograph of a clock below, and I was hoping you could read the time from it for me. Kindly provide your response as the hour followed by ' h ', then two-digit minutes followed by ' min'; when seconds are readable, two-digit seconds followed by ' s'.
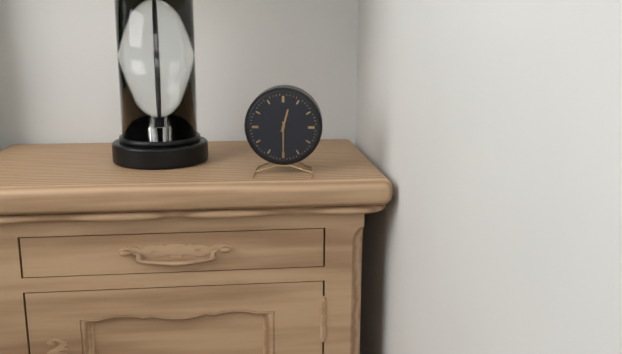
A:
12 h 30 min
